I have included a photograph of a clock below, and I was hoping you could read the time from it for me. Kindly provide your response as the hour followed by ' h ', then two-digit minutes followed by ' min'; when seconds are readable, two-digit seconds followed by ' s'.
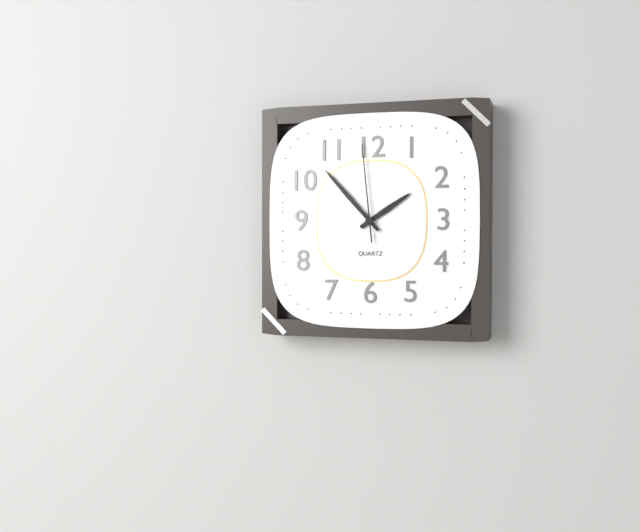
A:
1 h 53 min 59 s
